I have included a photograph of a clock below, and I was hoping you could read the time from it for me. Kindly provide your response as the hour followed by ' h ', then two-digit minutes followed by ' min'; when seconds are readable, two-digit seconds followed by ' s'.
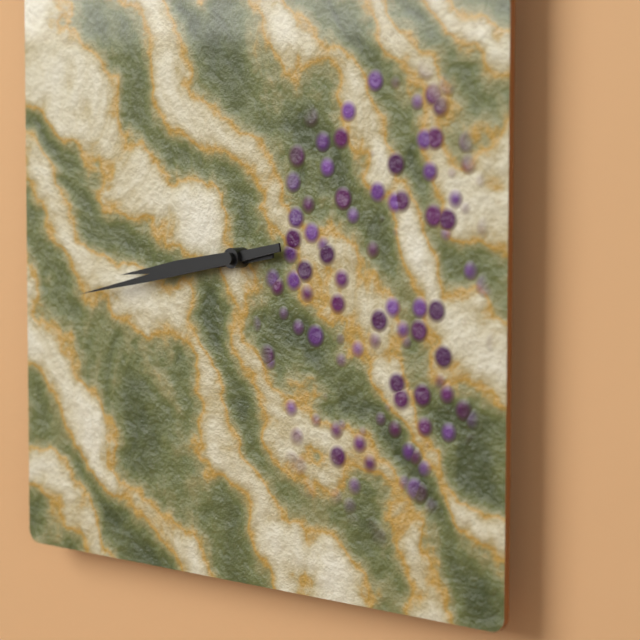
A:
8 h 43 min
